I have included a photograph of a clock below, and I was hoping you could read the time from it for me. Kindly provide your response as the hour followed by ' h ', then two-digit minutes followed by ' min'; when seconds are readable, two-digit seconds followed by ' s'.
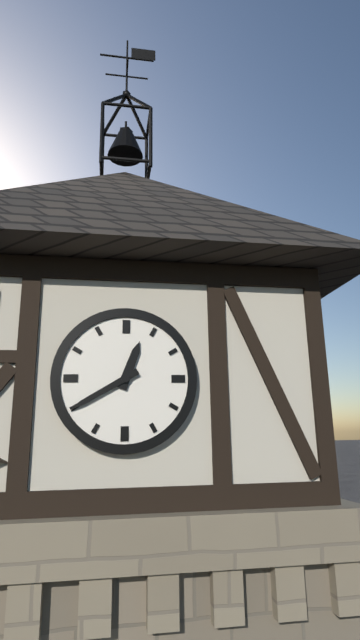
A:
12 h 40 min
